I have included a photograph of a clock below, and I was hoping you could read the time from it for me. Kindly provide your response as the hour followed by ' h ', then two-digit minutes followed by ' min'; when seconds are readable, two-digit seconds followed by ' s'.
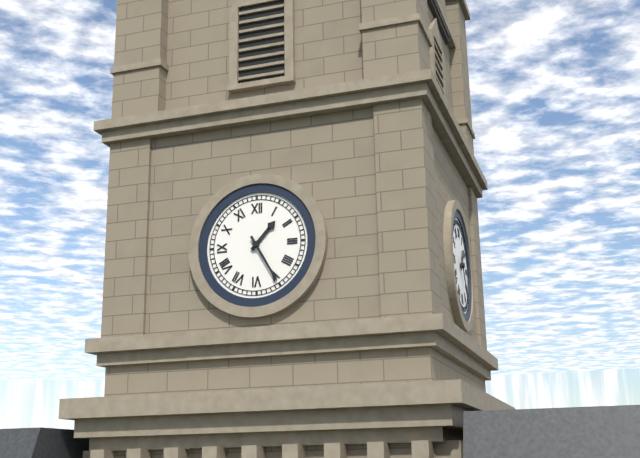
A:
1 h 25 min
